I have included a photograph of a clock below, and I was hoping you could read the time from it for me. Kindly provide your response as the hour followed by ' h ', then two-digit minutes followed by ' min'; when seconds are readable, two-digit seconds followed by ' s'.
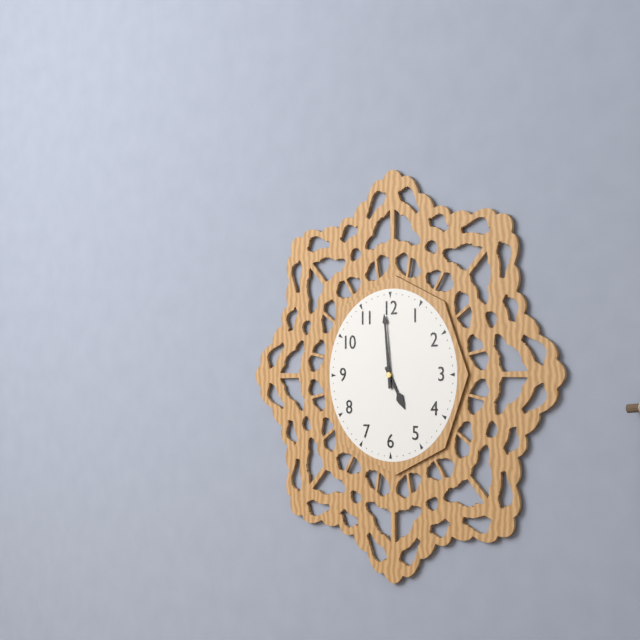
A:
4 h 59 min
